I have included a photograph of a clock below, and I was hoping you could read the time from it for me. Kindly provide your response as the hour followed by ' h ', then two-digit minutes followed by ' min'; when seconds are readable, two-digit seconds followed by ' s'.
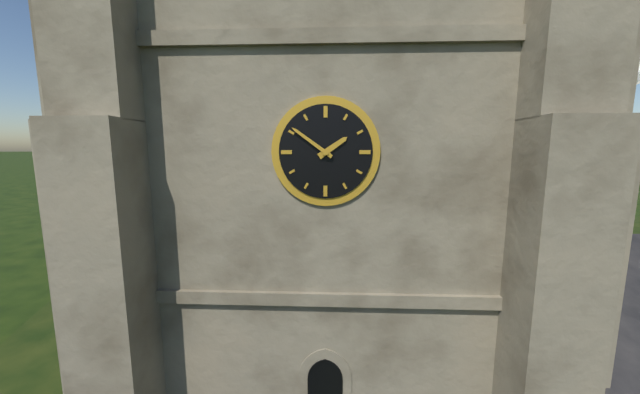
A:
1 h 51 min
